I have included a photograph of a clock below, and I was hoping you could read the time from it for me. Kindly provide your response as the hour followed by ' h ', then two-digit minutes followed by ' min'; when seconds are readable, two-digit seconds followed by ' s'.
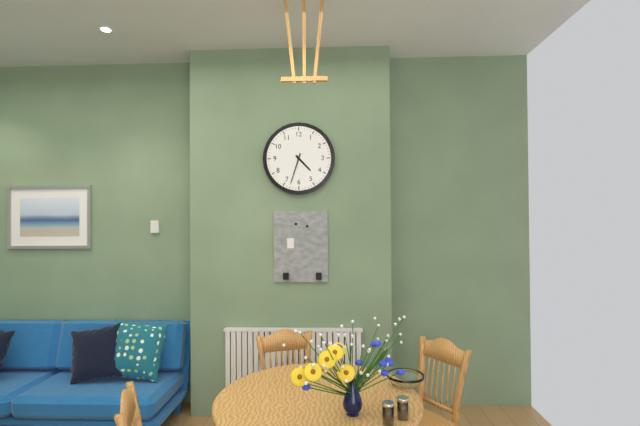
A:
4 h 33 min
